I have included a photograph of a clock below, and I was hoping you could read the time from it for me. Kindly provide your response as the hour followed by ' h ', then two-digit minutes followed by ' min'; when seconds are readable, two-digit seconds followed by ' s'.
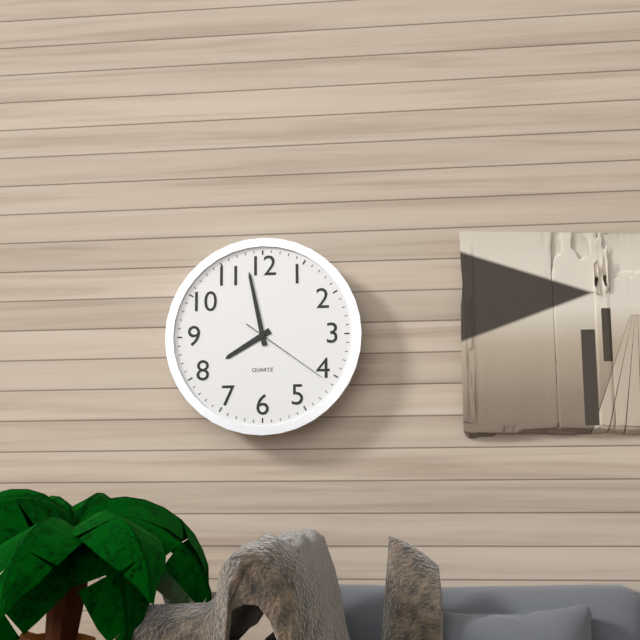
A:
7 h 58 min 21 s
